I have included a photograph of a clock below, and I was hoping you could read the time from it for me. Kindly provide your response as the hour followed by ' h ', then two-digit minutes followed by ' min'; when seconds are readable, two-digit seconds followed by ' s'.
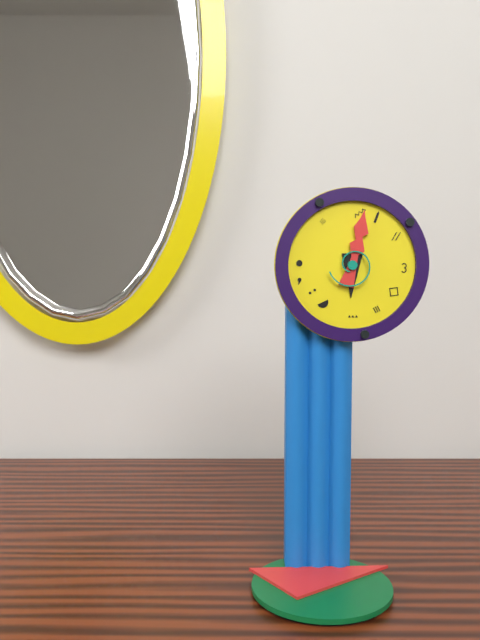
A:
6 h 02 min
